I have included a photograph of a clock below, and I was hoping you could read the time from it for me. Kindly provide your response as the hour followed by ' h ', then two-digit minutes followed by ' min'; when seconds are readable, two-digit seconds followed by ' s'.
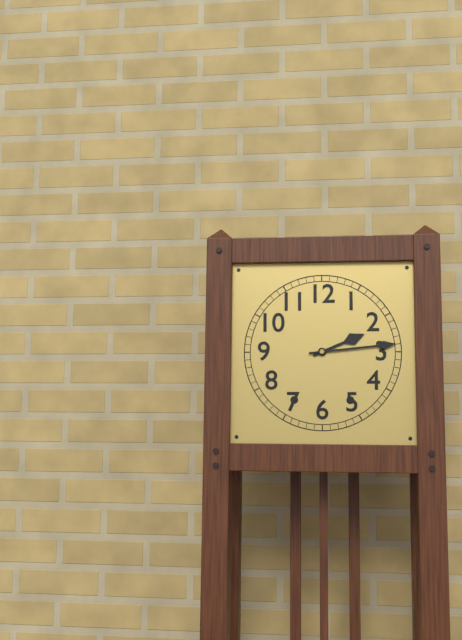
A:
2 h 14 min
